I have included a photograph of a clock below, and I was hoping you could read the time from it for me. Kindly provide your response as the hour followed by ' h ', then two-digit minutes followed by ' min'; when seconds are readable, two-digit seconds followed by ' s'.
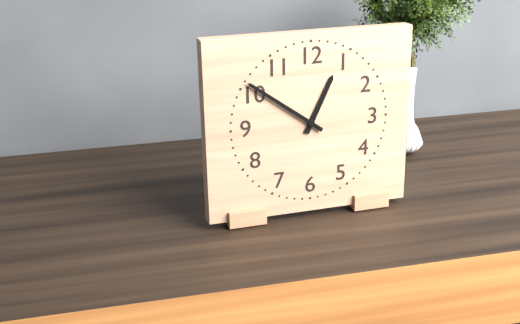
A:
12 h 51 min
